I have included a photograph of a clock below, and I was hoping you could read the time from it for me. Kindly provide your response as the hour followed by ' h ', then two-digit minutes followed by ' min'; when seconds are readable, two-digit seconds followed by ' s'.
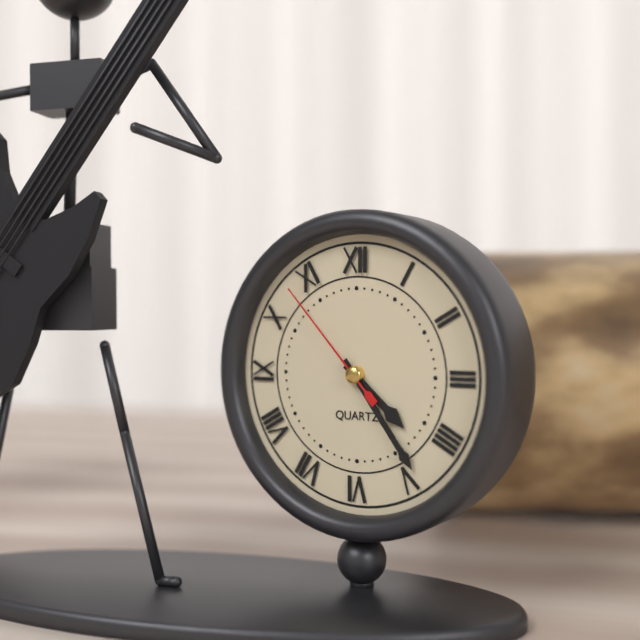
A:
4 h 24 min 53 s
